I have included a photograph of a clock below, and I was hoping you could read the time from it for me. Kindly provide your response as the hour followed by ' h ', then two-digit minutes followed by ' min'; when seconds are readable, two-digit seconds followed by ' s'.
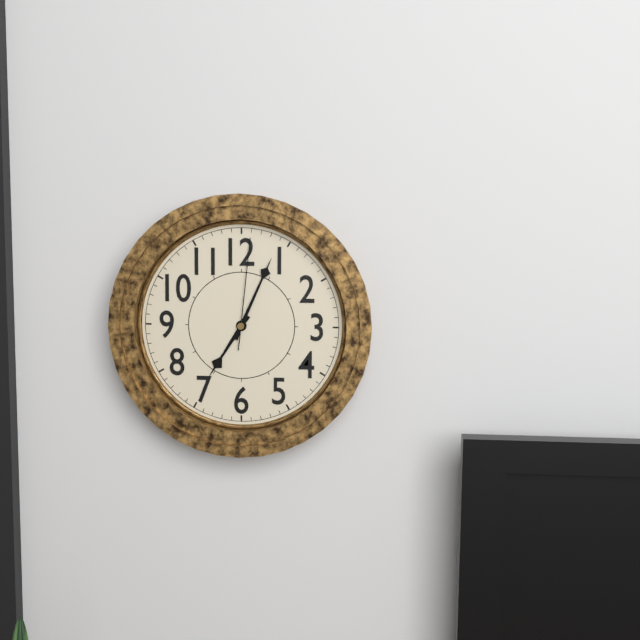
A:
7 h 04 min 01 s
